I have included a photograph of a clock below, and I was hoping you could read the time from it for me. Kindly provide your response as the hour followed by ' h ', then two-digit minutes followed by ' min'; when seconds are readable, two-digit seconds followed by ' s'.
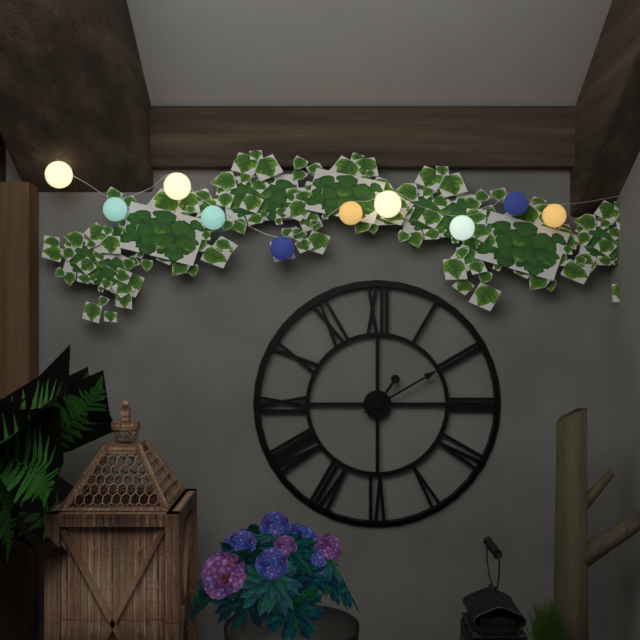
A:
1 h 10 min
